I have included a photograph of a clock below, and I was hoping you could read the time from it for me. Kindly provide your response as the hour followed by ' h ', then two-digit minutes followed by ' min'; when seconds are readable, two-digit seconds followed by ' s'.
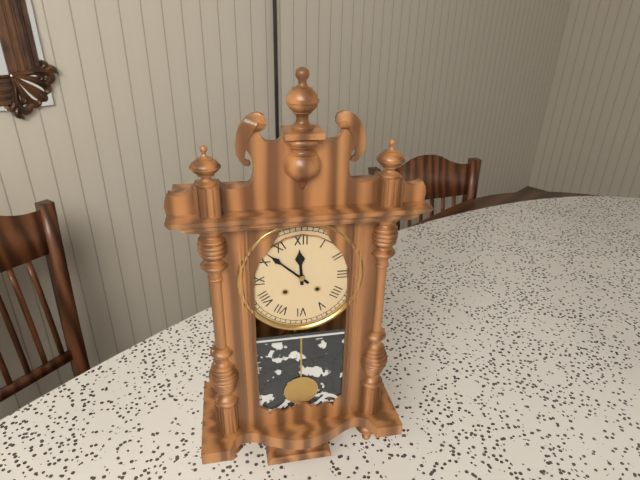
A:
11 h 52 min
